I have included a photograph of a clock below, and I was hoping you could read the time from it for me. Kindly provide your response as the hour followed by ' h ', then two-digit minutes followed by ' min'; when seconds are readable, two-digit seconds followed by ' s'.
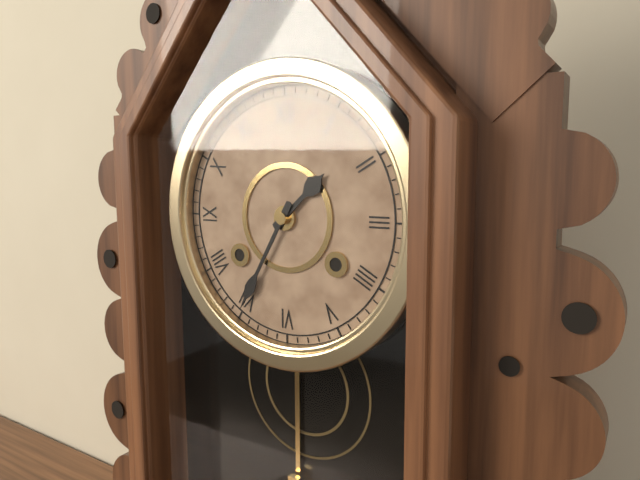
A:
1 h 35 min
